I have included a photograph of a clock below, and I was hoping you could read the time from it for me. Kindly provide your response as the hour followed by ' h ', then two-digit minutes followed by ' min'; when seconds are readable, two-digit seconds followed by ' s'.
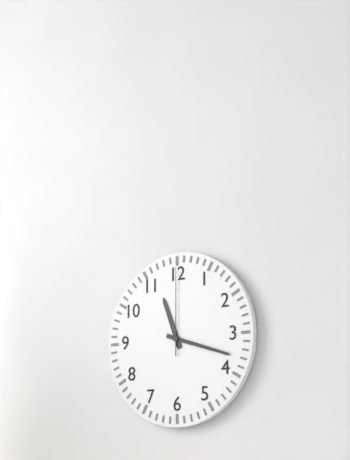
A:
11 h 18 min 00 s
